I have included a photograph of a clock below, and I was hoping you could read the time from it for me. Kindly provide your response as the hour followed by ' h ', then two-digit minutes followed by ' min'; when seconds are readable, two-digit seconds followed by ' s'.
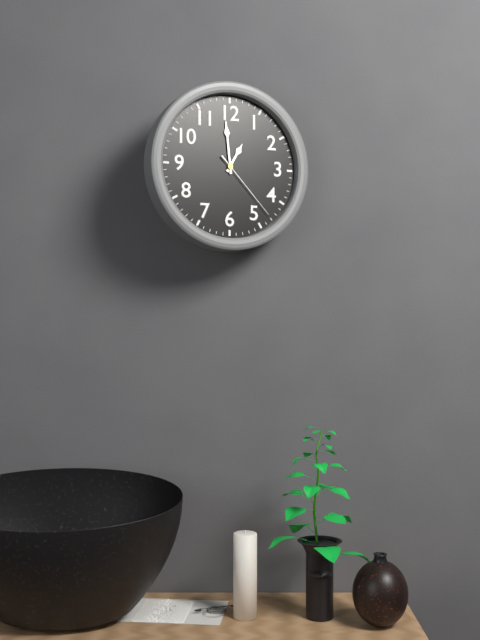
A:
12 h 59 min 23 s
